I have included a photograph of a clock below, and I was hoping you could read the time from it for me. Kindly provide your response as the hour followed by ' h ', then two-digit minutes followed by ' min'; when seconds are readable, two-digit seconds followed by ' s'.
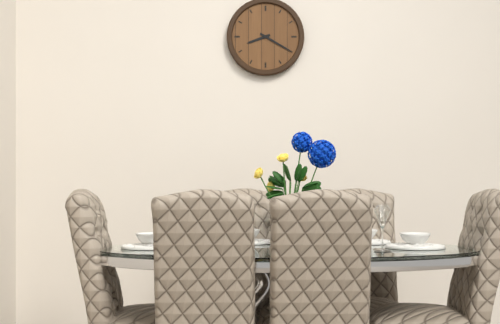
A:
8 h 20 min
